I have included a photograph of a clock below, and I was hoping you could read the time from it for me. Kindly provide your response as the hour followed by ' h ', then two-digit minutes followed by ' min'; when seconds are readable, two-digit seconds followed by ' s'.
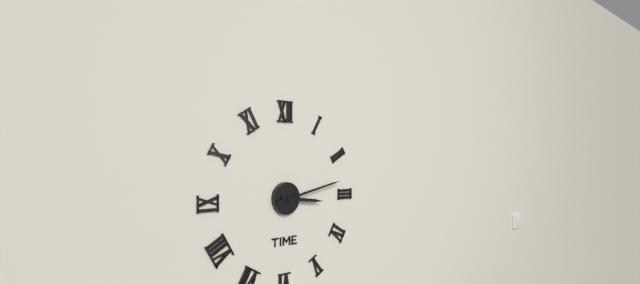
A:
3 h 13 min
